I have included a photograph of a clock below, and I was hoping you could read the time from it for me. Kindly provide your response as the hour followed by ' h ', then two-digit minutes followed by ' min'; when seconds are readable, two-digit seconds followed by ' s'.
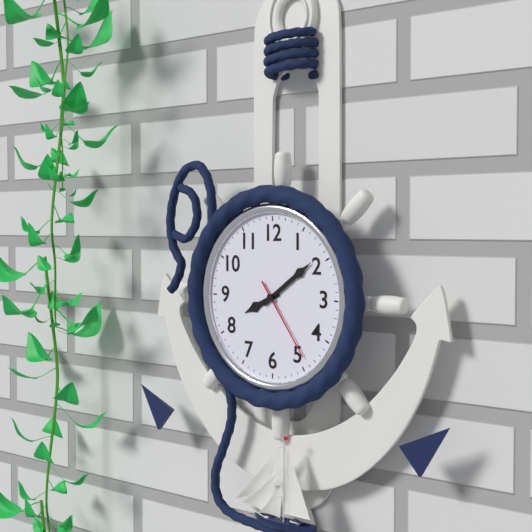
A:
8 h 09 min 24 s
